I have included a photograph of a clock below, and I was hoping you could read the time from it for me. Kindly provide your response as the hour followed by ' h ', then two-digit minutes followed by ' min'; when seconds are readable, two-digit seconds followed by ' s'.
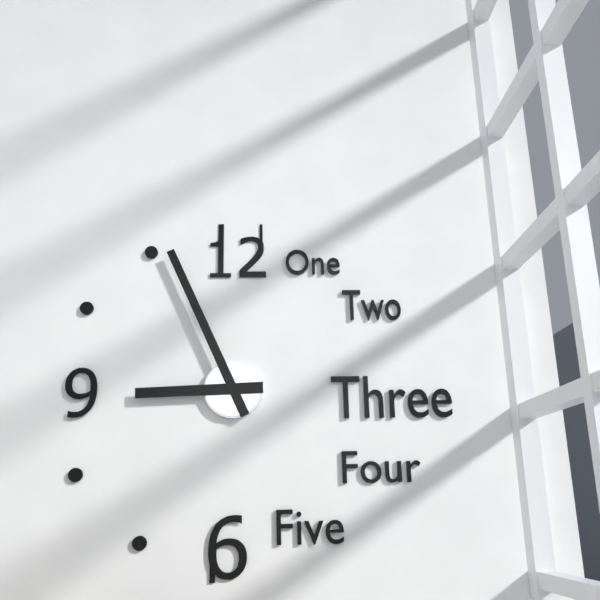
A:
8 h 56 min
